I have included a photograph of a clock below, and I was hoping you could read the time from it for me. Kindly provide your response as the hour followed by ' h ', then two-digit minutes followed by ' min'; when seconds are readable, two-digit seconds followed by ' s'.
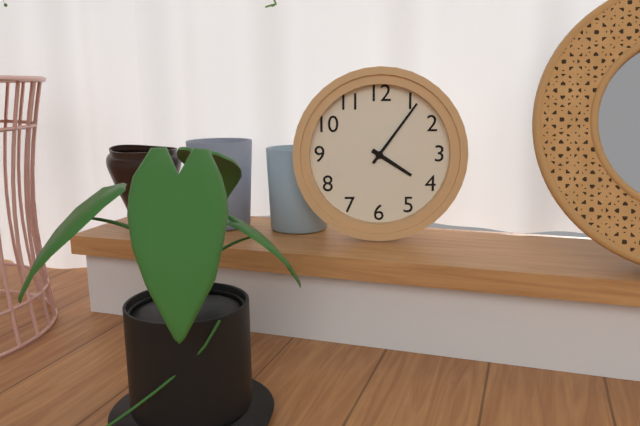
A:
4 h 06 min
